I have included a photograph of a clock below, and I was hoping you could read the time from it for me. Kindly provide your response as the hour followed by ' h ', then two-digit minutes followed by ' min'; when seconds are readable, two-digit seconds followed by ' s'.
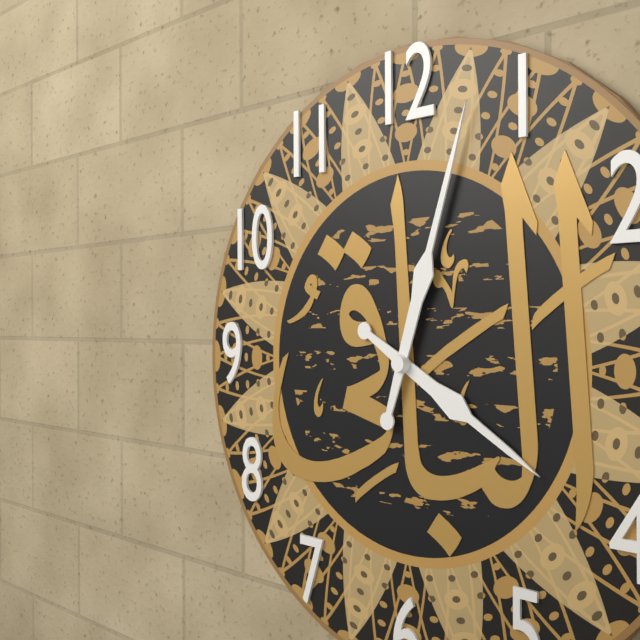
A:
4 h 03 min
